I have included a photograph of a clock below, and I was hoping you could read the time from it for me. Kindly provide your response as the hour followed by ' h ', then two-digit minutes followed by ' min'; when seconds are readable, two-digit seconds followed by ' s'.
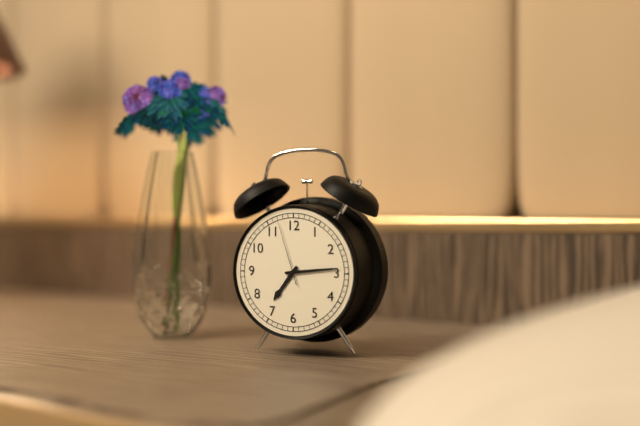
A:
7 h 14 min 57 s
